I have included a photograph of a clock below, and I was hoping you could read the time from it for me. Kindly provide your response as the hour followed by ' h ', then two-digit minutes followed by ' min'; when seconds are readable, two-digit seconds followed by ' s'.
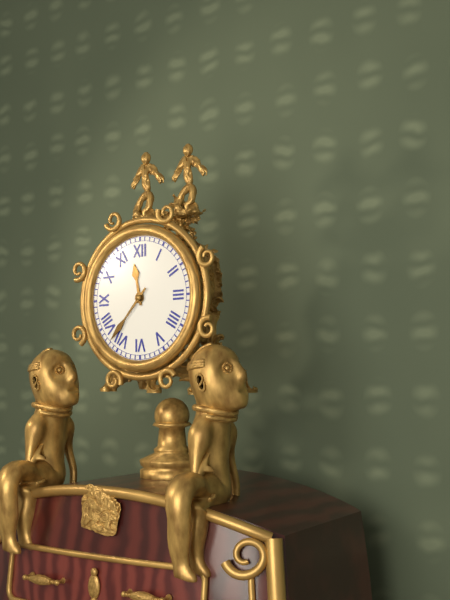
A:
11 h 37 min
